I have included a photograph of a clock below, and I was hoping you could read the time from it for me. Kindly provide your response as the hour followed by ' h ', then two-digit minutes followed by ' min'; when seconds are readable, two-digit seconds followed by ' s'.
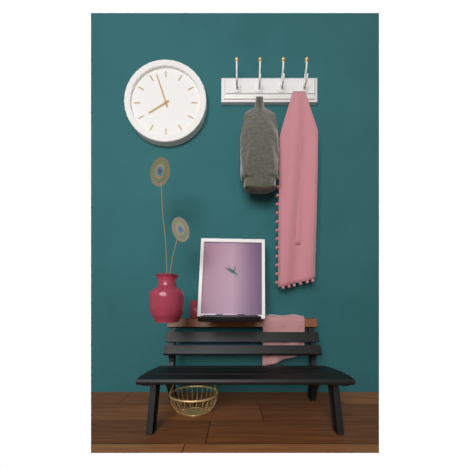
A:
7 h 57 min
